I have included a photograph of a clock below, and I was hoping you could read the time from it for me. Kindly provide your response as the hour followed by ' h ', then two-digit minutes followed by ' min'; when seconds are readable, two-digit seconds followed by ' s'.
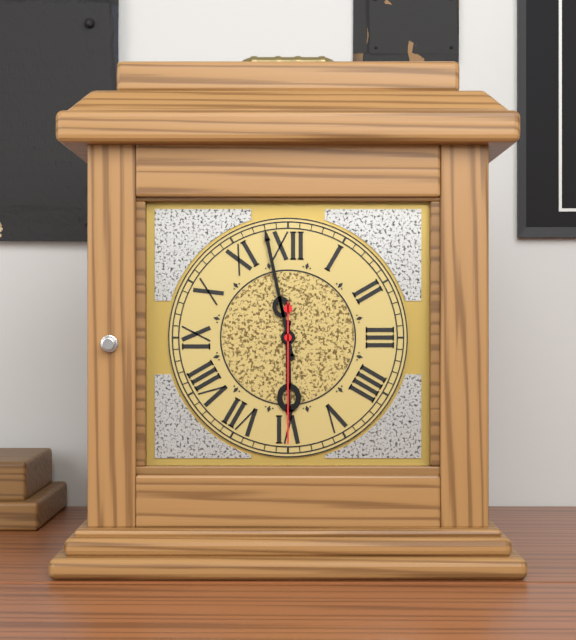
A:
5 h 58 min 30 s
